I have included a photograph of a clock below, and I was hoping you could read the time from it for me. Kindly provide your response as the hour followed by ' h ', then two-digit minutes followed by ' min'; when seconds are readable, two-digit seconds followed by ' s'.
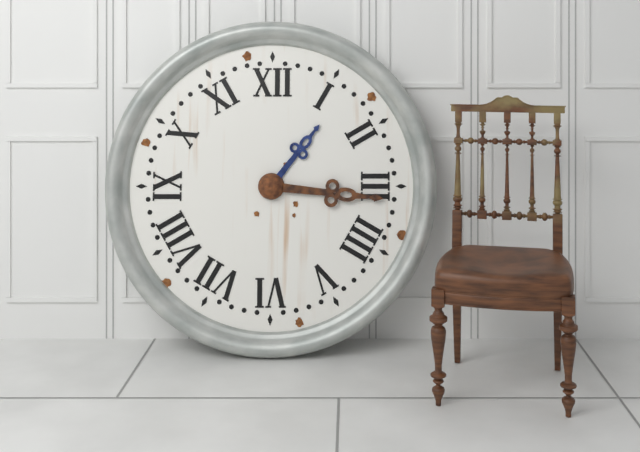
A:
1 h 16 min
